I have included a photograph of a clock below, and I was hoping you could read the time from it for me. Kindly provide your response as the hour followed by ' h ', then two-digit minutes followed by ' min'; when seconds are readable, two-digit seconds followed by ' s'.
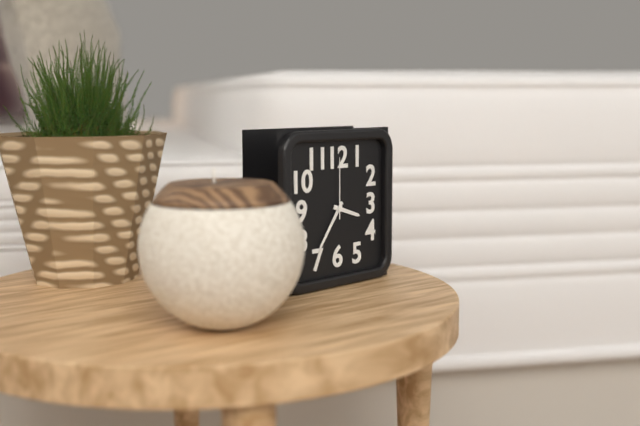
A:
3 h 36 min 00 s
